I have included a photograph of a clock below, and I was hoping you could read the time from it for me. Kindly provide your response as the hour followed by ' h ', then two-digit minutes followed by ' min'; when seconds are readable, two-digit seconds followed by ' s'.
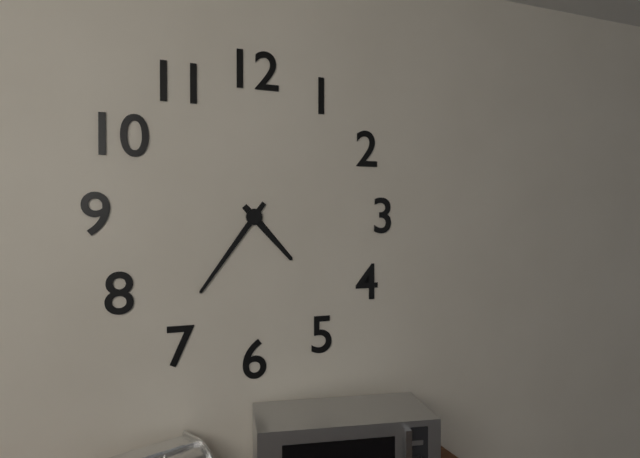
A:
4 h 36 min
